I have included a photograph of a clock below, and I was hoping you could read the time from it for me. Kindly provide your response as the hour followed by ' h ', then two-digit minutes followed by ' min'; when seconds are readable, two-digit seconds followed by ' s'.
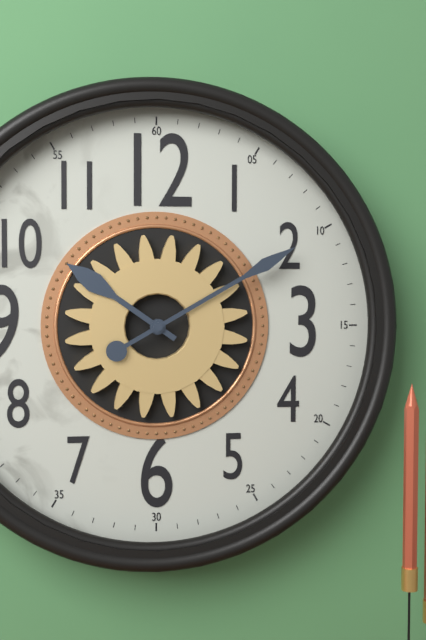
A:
10 h 10 min
